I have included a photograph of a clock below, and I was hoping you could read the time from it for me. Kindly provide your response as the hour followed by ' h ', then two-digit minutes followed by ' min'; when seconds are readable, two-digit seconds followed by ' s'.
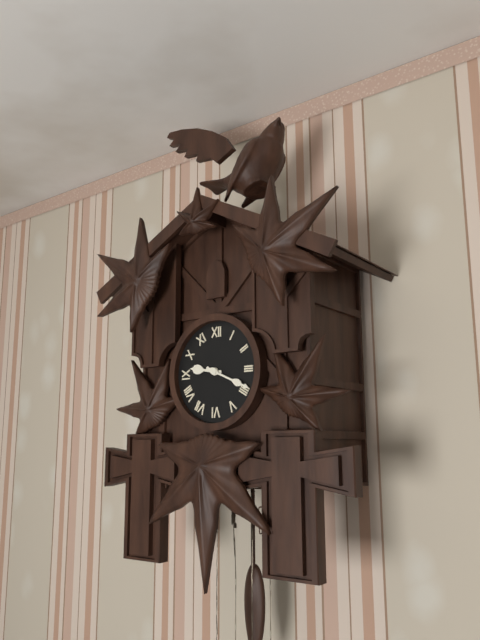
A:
9 h 19 min
